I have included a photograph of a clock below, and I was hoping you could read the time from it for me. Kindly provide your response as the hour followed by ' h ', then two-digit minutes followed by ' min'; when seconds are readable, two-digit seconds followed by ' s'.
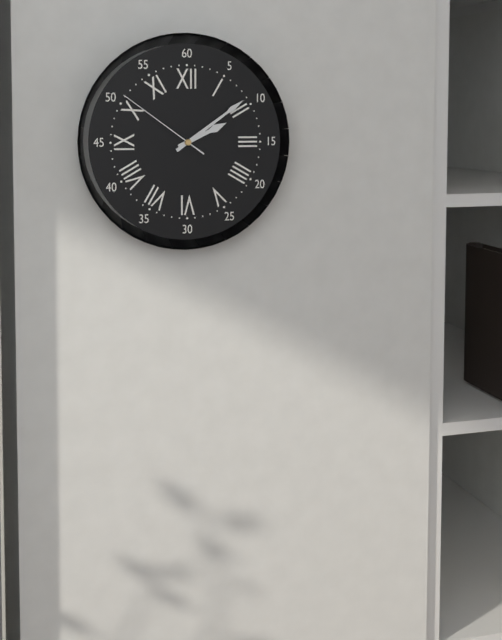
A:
2 h 09 min 51 s
